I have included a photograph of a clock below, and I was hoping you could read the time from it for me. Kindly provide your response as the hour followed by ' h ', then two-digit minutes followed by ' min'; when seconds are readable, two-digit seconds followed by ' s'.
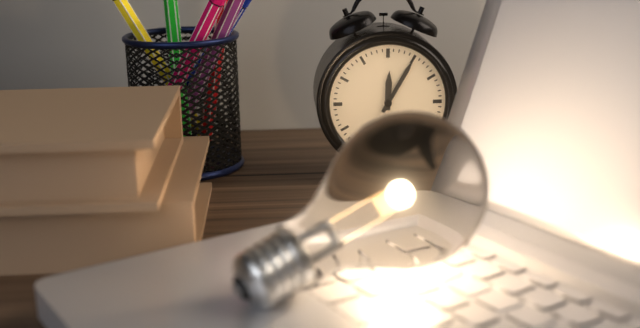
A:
12 h 05 min
